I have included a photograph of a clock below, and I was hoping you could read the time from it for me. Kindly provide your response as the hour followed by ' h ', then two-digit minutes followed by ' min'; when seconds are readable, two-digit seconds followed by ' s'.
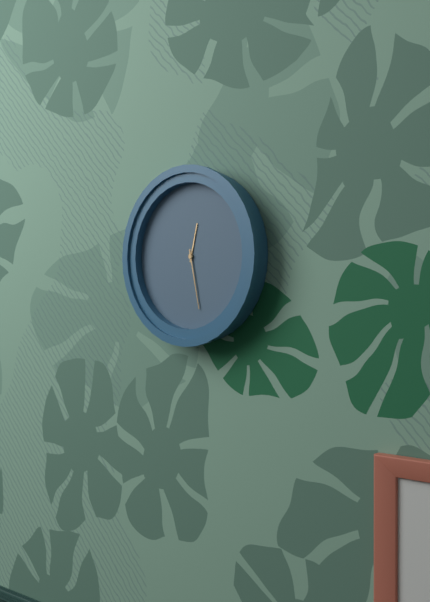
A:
12 h 28 min
